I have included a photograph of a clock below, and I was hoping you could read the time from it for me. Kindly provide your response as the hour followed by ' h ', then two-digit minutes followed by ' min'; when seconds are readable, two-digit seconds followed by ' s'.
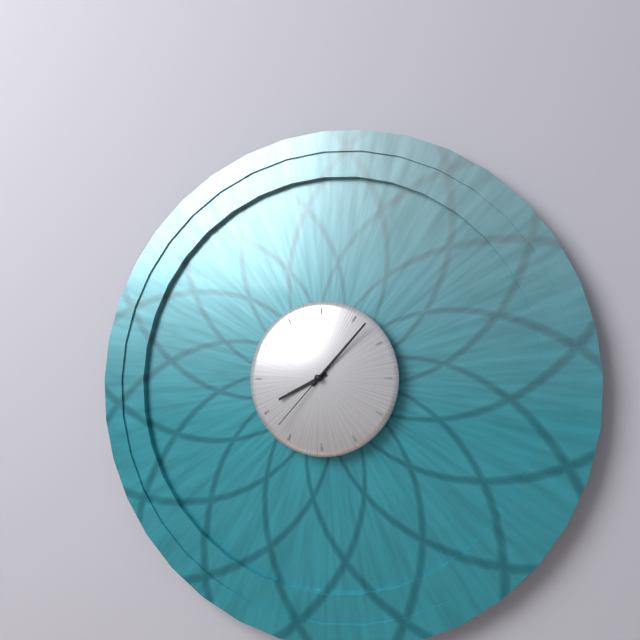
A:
8 h 07 min 37 s
